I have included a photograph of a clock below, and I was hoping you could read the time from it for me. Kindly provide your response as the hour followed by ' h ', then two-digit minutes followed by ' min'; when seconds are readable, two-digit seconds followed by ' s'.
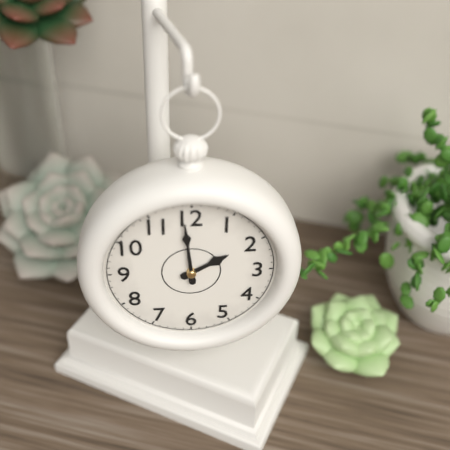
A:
1 h 59 min
